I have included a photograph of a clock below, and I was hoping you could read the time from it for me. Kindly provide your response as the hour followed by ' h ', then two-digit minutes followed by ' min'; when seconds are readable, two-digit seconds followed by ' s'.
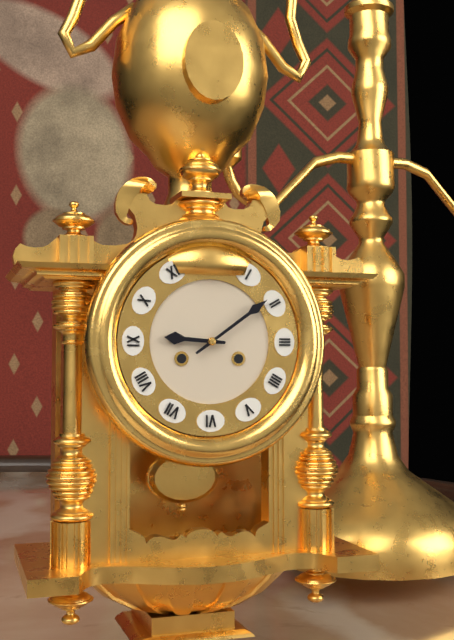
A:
9 h 09 min
